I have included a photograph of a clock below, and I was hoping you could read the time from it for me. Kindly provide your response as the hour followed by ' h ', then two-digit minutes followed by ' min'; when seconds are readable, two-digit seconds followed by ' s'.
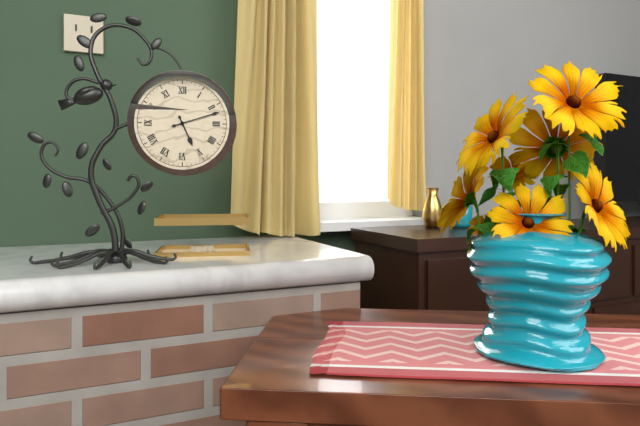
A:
5 h 12 min
